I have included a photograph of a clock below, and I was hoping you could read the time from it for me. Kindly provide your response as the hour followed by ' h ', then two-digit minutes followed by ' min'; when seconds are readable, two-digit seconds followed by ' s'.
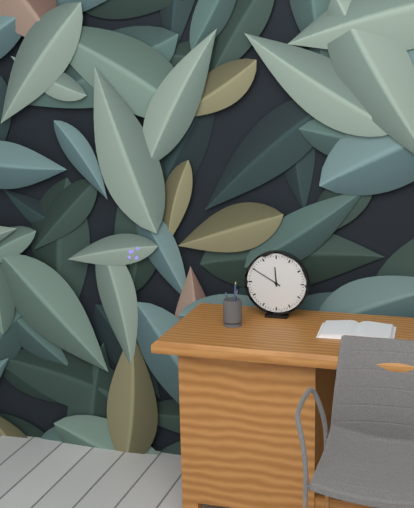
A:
11 h 50 min
